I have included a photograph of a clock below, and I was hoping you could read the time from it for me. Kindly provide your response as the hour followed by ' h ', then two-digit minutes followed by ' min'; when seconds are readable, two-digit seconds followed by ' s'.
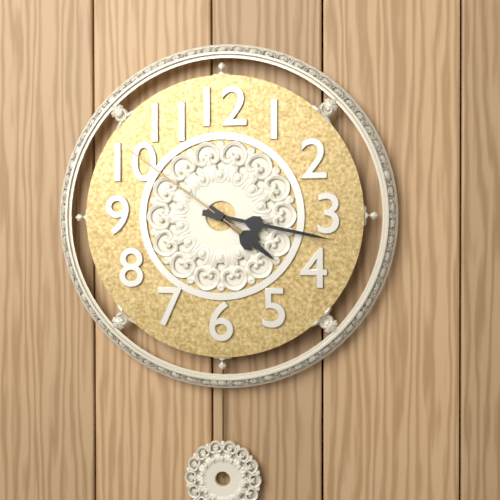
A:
4 h 17 min 51 s
